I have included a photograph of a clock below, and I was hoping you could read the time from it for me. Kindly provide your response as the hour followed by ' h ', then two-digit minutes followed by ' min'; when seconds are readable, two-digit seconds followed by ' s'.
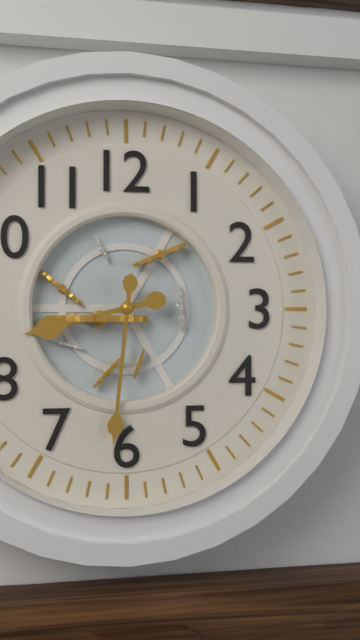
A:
8 h 31 min
